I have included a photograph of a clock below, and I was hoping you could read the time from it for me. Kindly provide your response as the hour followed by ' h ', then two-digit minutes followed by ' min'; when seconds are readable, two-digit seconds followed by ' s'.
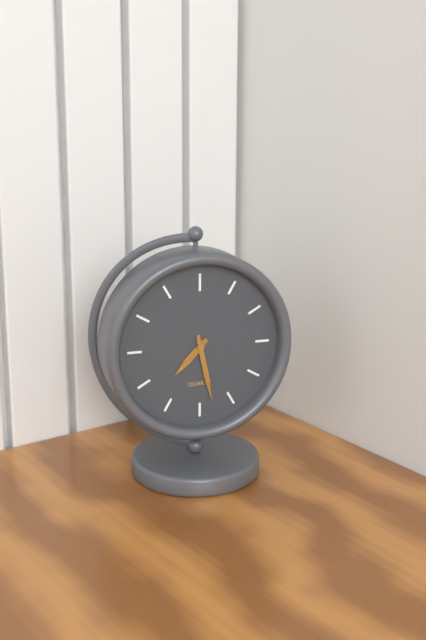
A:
7 h 28 min
